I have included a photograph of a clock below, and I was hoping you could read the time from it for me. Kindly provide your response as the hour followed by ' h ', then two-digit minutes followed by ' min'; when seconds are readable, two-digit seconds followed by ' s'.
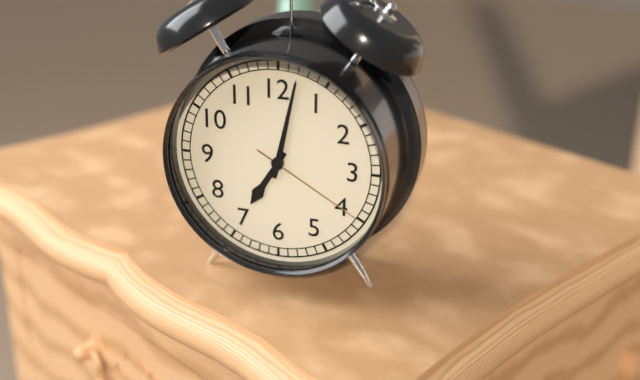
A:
7 h 02 min 20 s
